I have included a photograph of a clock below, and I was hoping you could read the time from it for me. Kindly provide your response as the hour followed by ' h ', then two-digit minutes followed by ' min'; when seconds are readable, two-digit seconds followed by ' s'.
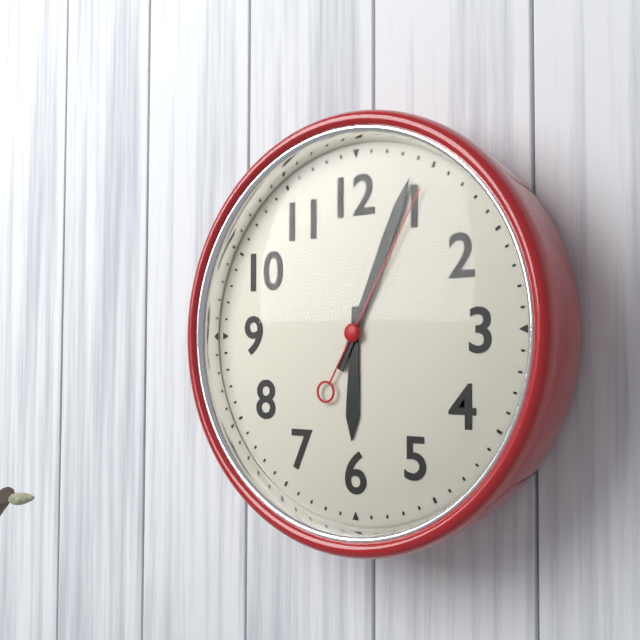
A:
6 h 04 min 05 s
